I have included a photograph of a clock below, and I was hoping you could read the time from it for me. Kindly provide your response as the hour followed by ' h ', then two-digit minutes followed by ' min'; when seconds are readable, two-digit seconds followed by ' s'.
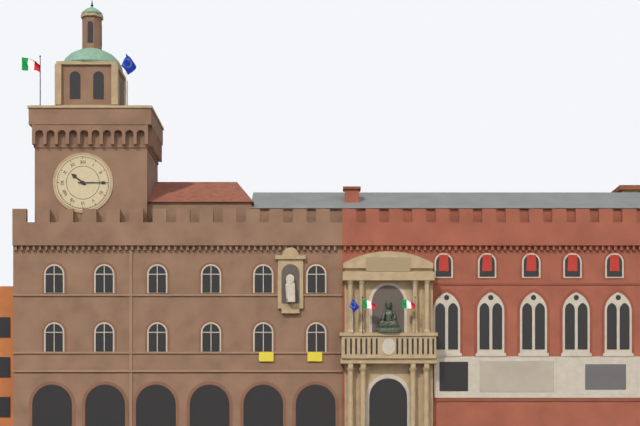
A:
10 h 15 min
